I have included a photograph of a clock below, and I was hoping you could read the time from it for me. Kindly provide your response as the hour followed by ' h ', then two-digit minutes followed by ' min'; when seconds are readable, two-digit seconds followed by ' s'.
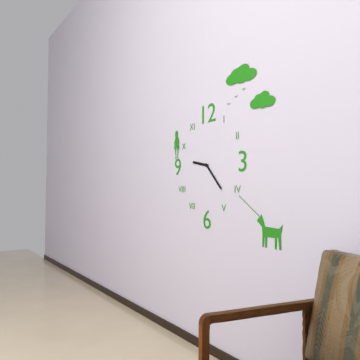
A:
9 h 23 min
